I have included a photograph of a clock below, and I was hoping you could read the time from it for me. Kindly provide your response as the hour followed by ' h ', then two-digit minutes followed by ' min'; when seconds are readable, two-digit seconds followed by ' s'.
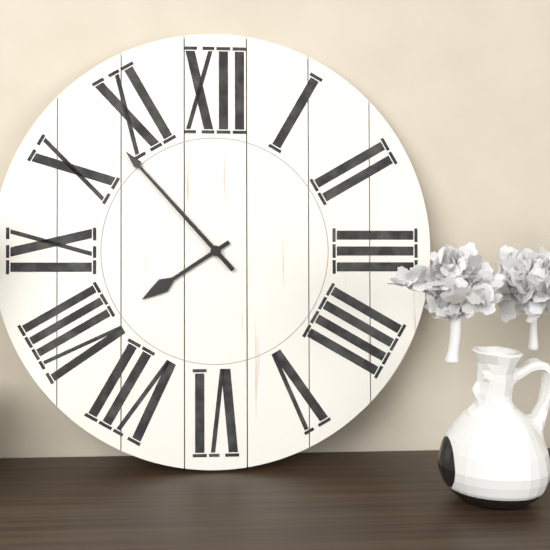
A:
7 h 53 min
